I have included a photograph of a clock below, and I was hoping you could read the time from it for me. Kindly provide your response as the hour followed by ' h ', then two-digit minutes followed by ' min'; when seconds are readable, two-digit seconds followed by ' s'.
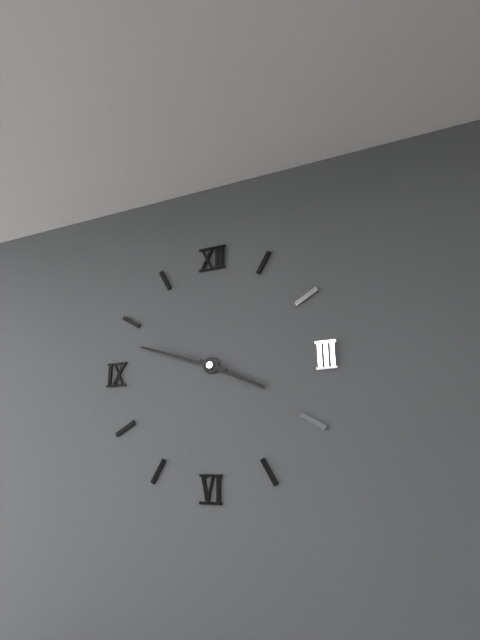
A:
3 h 48 min
